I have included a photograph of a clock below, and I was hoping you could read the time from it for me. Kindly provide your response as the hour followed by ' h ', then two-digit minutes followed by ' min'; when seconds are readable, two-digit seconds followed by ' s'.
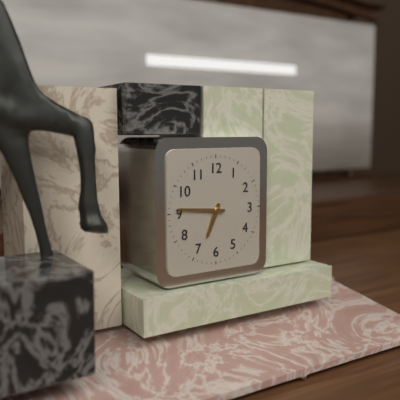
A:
6 h 46 min
